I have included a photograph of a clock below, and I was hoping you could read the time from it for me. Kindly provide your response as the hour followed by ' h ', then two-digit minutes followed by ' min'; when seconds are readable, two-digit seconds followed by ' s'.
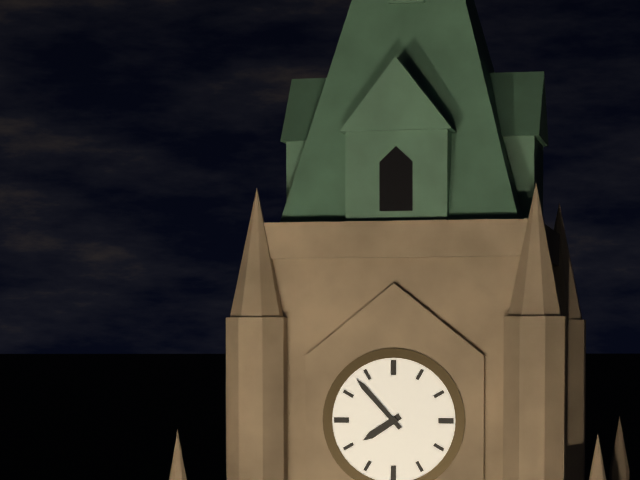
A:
7 h 53 min
